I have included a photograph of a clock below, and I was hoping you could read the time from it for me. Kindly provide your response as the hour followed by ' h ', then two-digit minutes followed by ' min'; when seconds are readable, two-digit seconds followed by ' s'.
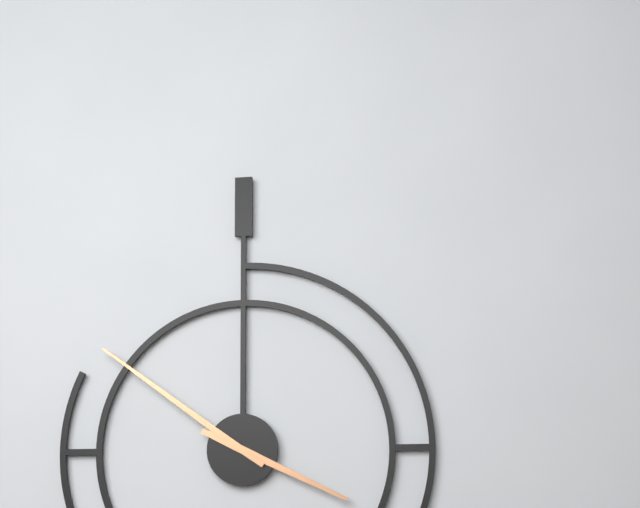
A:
3 h 51 min
